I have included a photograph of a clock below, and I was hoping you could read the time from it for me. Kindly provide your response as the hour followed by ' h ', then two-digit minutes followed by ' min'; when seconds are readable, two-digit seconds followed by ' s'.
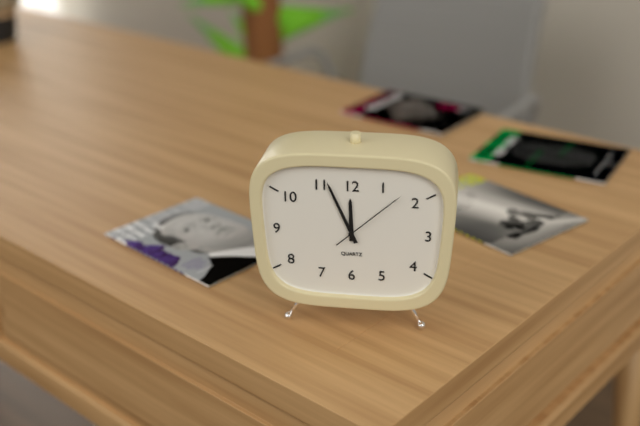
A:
11 h 56 min 08 s
